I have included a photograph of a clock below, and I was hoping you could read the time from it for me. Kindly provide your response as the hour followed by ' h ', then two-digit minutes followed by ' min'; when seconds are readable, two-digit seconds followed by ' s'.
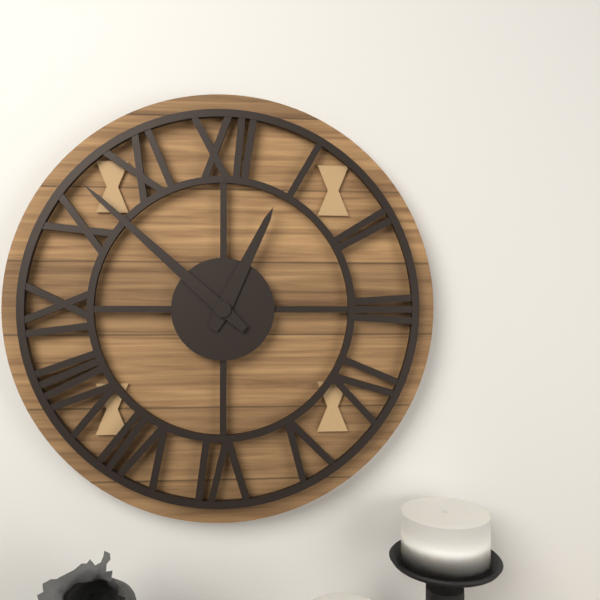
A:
12 h 52 min
